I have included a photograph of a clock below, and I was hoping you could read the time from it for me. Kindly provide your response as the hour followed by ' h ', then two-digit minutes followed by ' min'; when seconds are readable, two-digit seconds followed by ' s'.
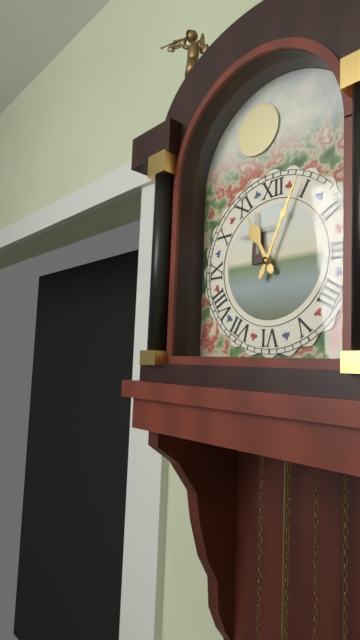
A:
11 h 04 min
